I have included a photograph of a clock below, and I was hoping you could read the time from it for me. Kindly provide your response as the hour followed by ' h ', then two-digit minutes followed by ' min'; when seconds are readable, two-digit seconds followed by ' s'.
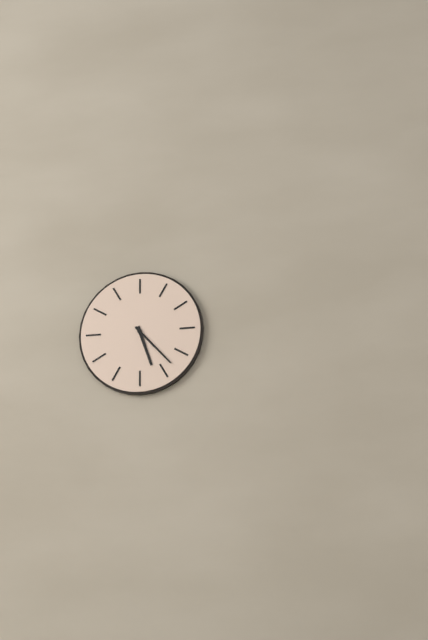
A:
5 h 23 min
